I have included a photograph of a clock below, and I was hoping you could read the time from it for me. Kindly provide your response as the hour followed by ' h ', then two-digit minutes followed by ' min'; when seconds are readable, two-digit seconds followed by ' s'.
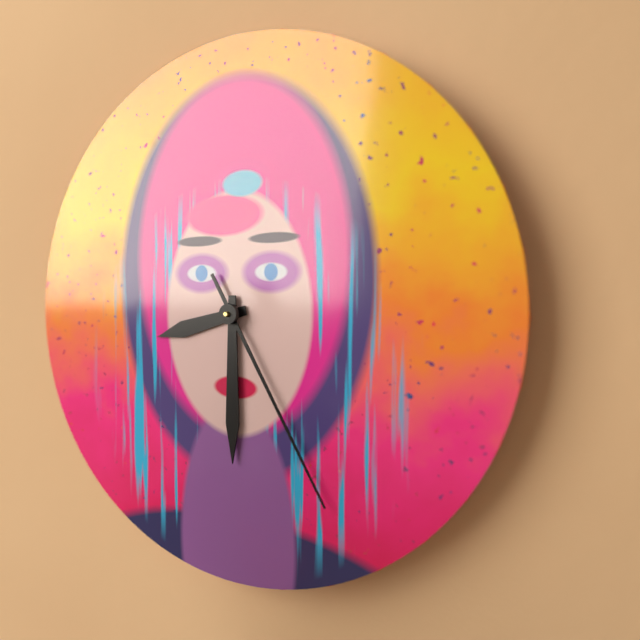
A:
8 h 30 min 25 s
